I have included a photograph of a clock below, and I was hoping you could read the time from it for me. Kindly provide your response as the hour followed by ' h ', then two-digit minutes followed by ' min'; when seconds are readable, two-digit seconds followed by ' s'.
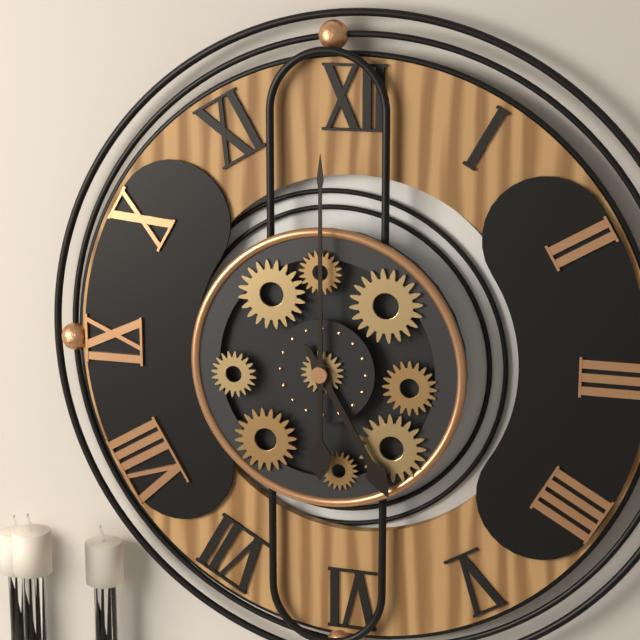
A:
5 h 00 min
